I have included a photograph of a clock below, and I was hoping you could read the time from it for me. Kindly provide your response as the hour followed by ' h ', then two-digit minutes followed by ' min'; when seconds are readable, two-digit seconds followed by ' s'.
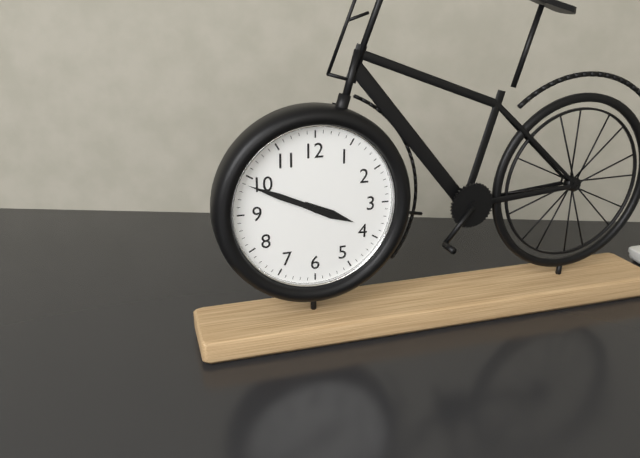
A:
3 h 49 min
